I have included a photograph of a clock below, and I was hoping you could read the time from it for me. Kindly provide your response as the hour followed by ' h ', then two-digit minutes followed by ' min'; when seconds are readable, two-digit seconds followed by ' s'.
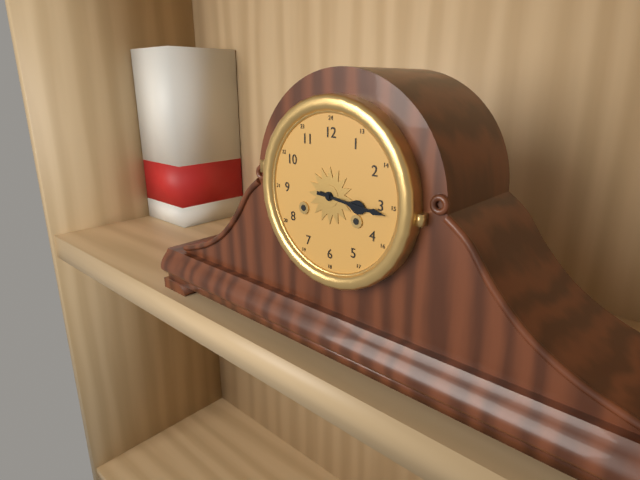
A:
3 h 16 min
